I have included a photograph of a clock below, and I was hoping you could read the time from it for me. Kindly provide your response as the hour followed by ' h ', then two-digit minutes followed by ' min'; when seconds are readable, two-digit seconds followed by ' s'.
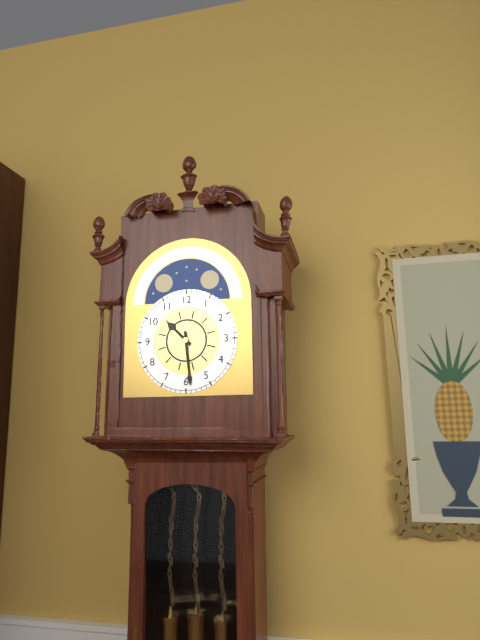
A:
10 h 29 min
